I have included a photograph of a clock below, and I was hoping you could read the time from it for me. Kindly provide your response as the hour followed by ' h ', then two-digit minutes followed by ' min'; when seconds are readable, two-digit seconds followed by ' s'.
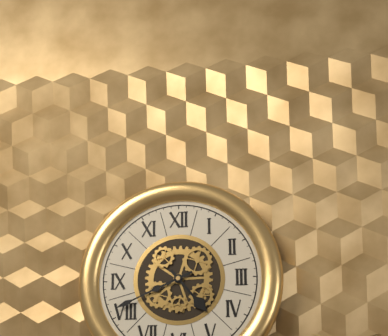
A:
4 h 41 min
